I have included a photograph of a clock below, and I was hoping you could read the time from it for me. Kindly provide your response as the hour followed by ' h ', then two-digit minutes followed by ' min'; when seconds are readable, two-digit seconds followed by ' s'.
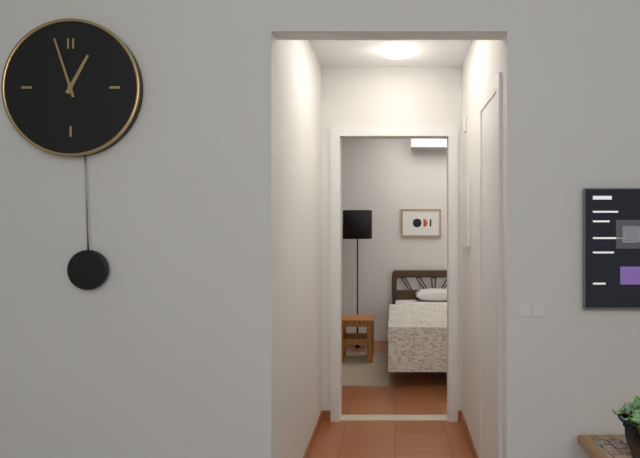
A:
12 h 57 min
